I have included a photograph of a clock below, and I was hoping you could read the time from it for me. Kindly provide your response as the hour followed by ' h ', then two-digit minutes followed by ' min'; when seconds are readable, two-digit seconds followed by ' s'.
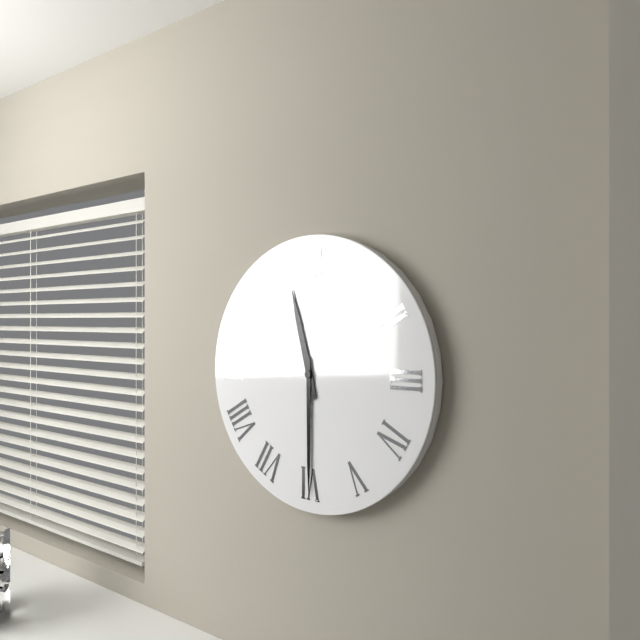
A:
11 h 30 min
